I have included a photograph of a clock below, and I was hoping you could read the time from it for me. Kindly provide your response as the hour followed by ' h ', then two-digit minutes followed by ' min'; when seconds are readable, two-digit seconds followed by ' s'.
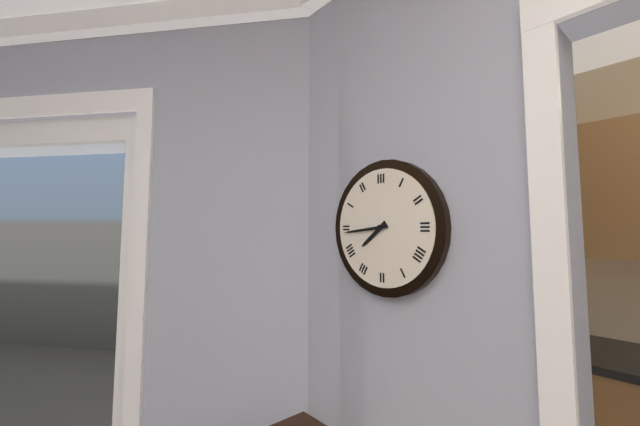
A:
7 h 44 min
